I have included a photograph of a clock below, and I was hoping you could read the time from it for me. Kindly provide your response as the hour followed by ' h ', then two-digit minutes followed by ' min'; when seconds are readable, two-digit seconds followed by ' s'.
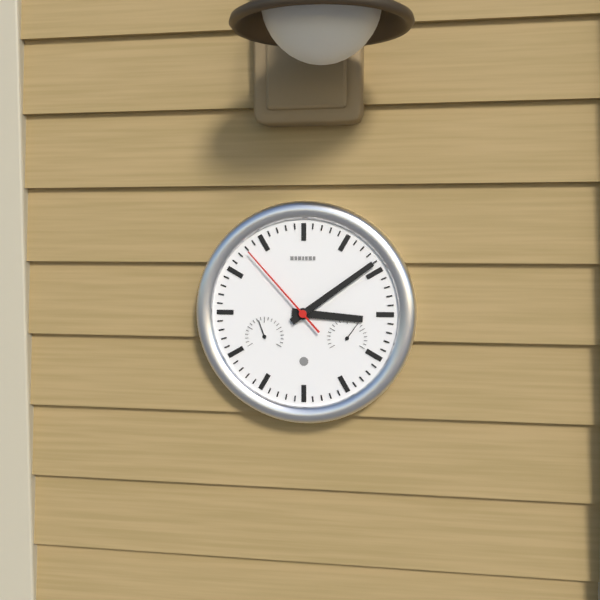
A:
3 h 09 min 53 s
